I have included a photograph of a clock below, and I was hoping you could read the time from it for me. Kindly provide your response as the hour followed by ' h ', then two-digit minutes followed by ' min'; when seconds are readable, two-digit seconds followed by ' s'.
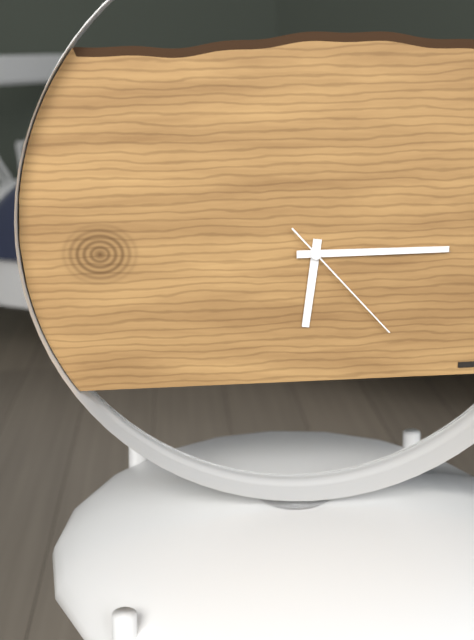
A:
6 h 15 min 23 s
